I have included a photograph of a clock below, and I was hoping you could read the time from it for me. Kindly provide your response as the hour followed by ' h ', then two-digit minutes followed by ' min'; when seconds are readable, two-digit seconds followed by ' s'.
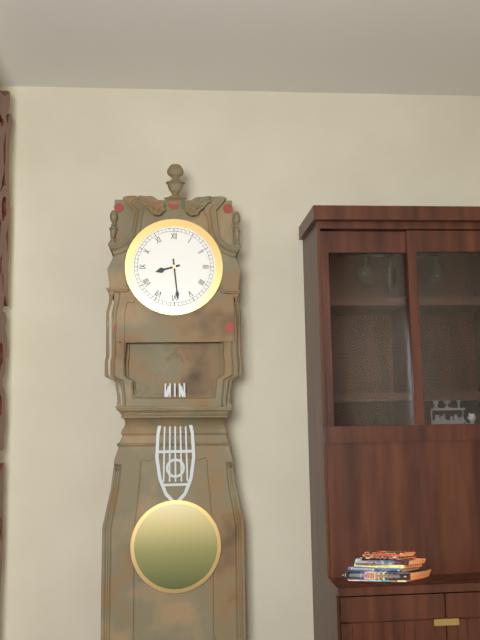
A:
8 h 29 min
